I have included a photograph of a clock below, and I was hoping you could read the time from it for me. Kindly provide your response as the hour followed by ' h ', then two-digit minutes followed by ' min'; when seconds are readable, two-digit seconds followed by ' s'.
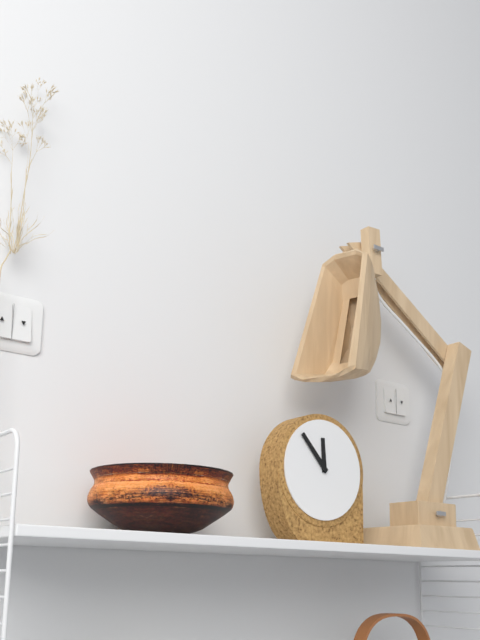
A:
11 h 53 min
